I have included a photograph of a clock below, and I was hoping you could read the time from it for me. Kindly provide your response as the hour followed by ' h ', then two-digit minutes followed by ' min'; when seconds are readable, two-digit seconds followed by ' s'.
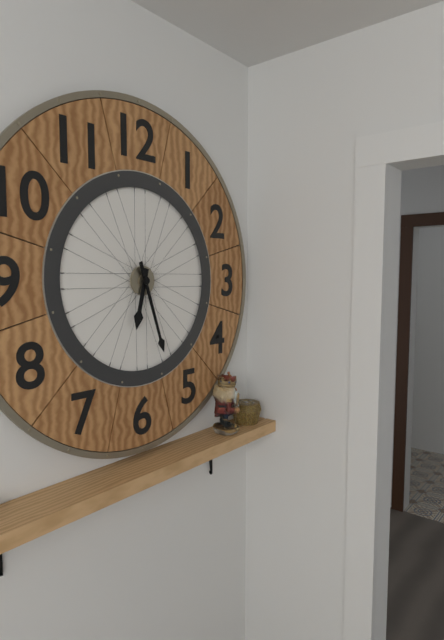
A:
6 h 27 min
